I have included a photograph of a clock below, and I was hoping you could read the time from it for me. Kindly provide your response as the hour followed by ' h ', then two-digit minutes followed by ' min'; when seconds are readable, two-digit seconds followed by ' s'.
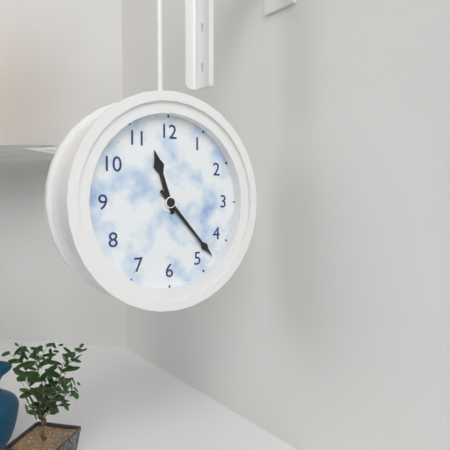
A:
11 h 23 min
